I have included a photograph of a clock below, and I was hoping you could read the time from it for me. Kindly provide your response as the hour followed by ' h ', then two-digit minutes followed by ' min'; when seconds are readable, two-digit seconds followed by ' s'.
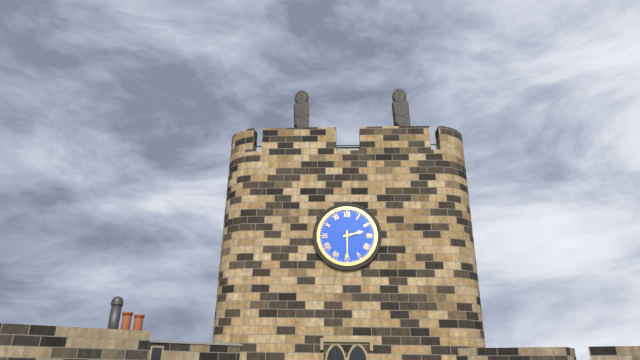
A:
2 h 30 min
